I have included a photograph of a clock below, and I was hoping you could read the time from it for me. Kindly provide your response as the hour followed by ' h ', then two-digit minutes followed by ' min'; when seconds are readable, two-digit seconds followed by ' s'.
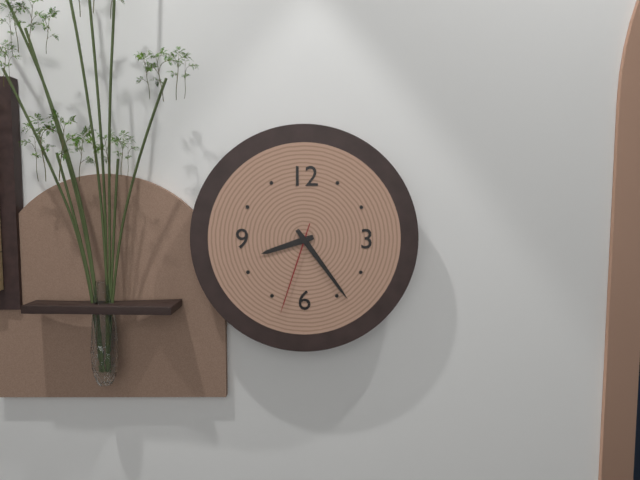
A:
8 h 24 min 33 s
